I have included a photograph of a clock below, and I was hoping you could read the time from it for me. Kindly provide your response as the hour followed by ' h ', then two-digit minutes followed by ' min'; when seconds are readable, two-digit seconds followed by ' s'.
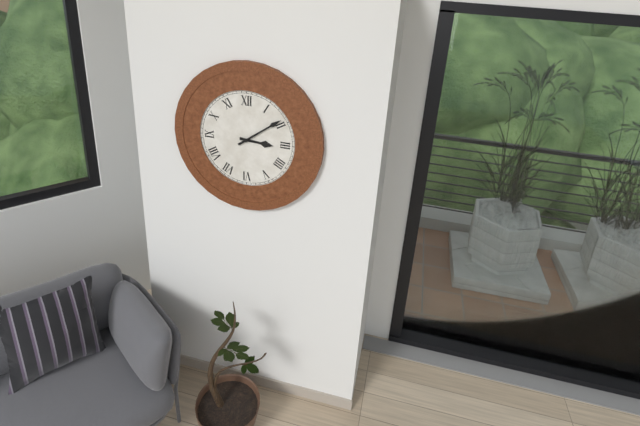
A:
3 h 09 min
